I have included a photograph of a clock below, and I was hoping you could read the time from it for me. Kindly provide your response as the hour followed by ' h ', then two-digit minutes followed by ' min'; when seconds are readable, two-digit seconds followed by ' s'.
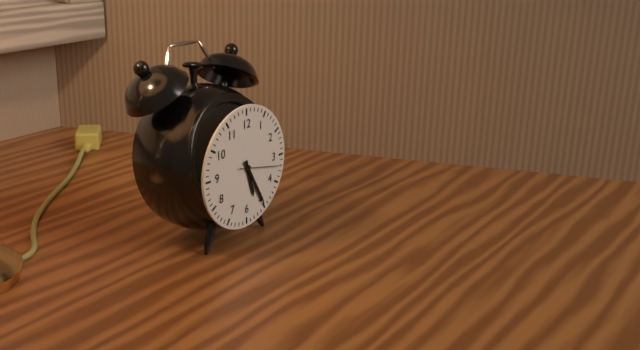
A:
5 h 25 min
